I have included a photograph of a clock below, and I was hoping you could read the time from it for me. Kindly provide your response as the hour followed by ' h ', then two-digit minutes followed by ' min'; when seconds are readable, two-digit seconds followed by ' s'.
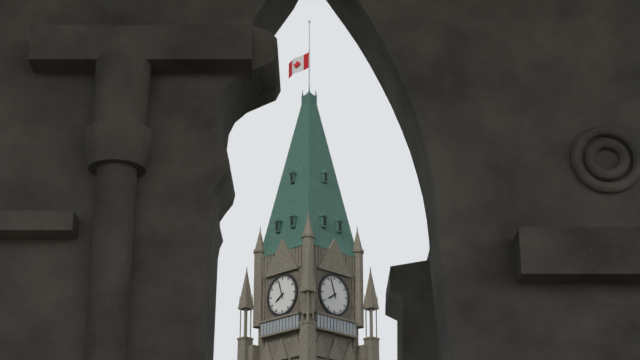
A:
7 h 57 min
